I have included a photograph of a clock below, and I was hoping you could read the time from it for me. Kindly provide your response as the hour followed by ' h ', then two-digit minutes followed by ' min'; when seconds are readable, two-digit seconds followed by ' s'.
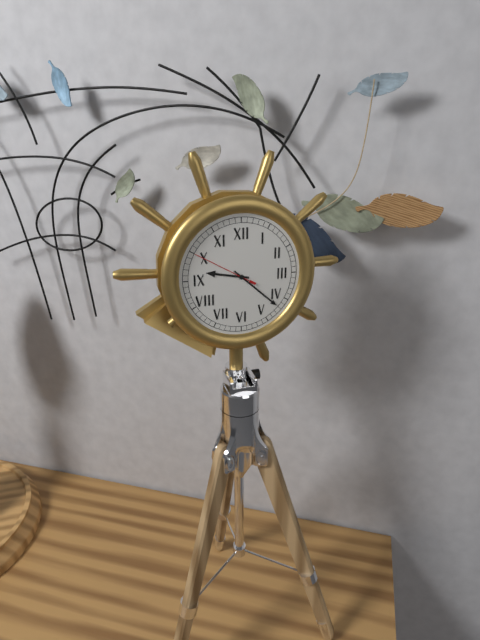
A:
9 h 22 min 50 s
